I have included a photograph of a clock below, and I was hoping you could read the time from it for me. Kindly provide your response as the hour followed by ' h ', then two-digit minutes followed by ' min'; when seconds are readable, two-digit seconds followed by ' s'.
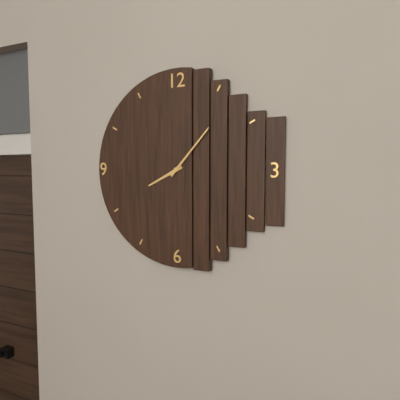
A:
8 h 07 min
